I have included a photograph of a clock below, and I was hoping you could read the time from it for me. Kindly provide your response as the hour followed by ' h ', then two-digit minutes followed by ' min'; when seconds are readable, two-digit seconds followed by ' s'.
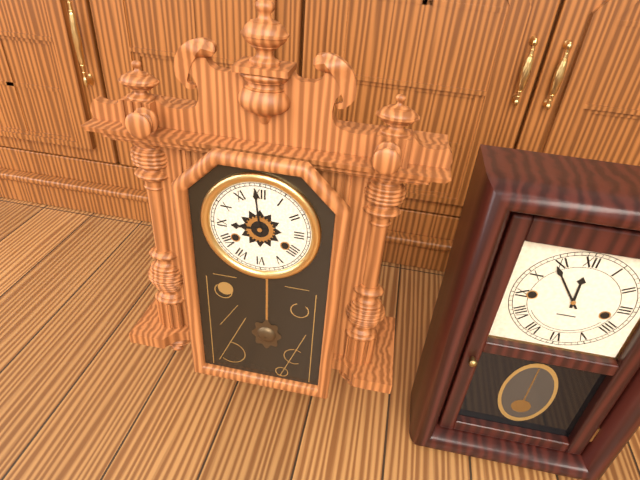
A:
8 h 59 min
